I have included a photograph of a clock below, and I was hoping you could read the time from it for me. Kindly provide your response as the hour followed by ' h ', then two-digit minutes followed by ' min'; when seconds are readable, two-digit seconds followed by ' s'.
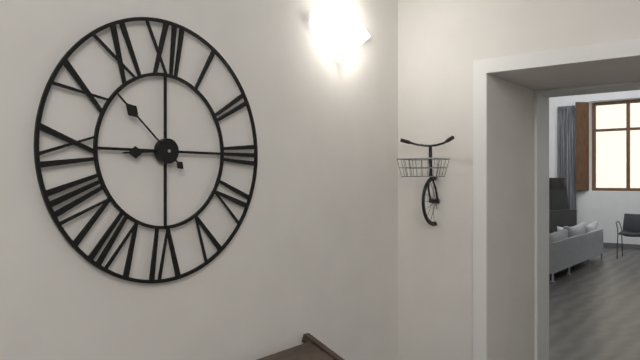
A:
8 h 52 min
